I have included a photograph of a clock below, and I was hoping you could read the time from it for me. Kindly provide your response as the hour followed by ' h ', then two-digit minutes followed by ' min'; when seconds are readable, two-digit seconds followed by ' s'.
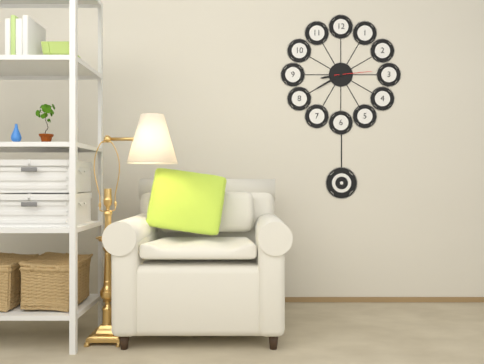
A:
8 h 40 min
